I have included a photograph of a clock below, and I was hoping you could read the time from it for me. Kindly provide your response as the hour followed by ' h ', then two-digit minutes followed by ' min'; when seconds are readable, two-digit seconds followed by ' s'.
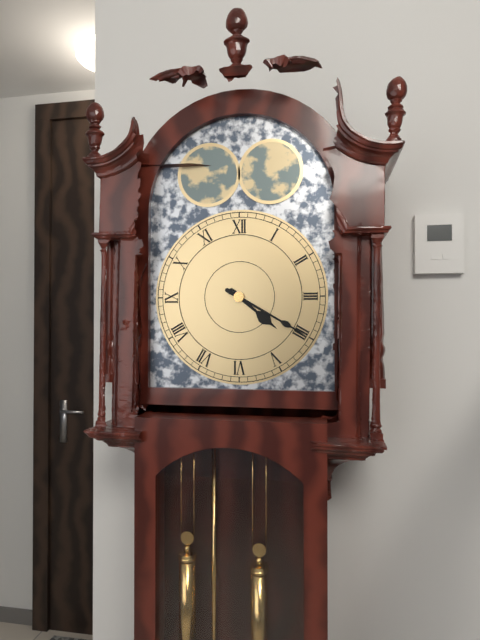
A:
4 h 20 min
